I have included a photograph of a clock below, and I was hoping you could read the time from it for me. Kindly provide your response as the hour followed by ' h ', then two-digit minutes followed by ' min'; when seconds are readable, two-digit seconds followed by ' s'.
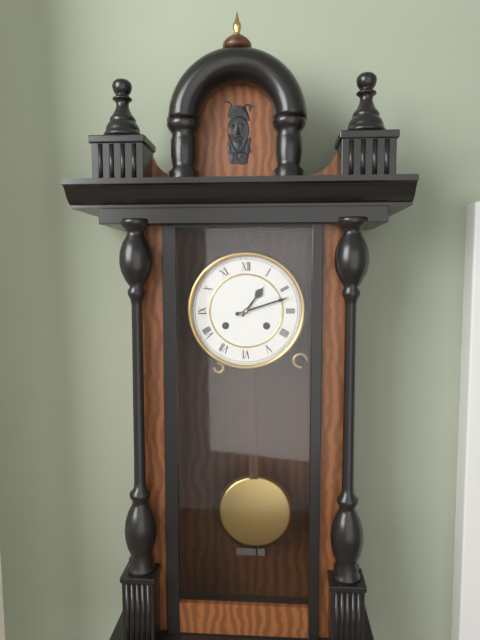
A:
1 h 12 min
